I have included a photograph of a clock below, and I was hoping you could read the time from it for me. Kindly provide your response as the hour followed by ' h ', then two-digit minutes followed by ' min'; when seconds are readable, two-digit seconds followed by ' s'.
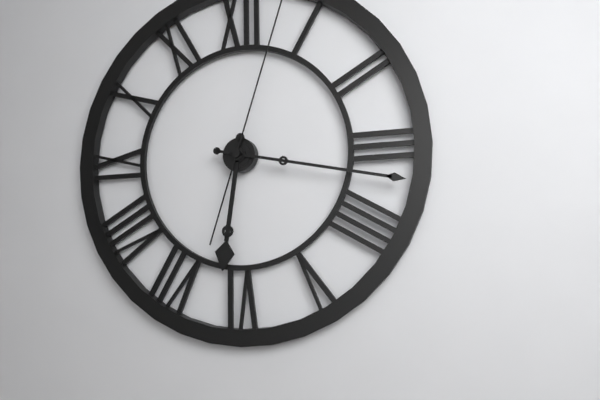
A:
6 h 17 min
